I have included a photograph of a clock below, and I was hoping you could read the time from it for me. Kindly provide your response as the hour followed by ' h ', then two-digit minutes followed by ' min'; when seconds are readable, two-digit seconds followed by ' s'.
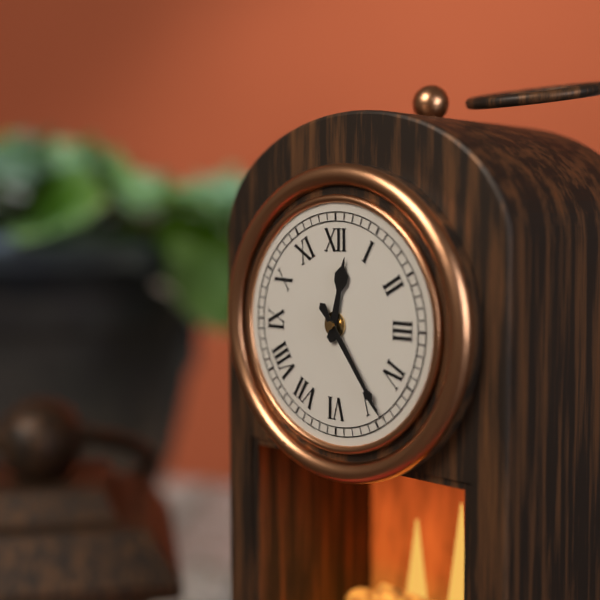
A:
12 h 24 min
